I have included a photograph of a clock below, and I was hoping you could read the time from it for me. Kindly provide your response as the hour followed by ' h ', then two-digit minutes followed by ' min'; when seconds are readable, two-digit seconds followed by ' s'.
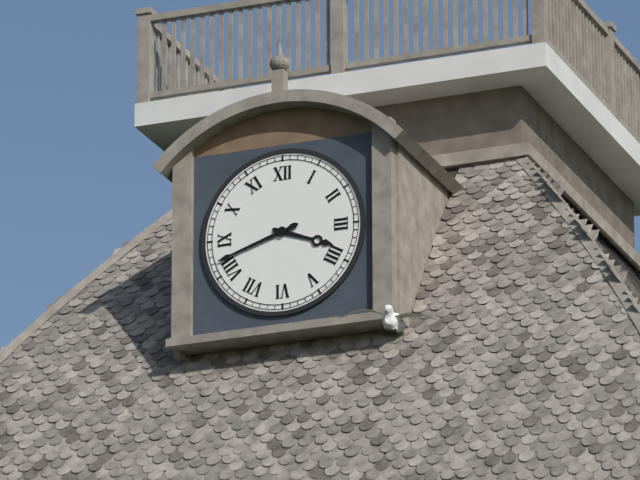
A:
3 h 42 min
